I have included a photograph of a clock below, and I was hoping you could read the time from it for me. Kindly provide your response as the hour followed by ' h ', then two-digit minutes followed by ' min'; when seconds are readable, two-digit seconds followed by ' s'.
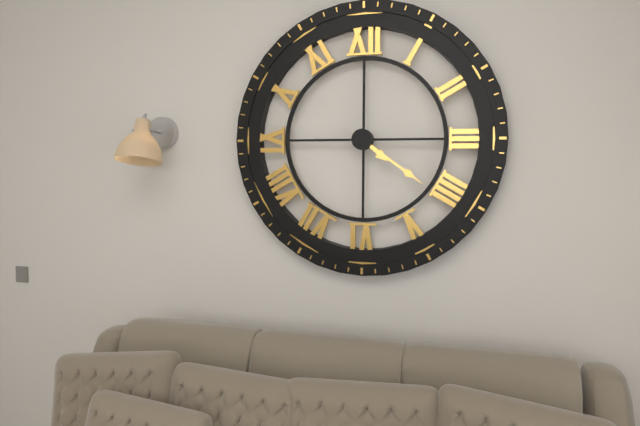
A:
4 h 21 min
